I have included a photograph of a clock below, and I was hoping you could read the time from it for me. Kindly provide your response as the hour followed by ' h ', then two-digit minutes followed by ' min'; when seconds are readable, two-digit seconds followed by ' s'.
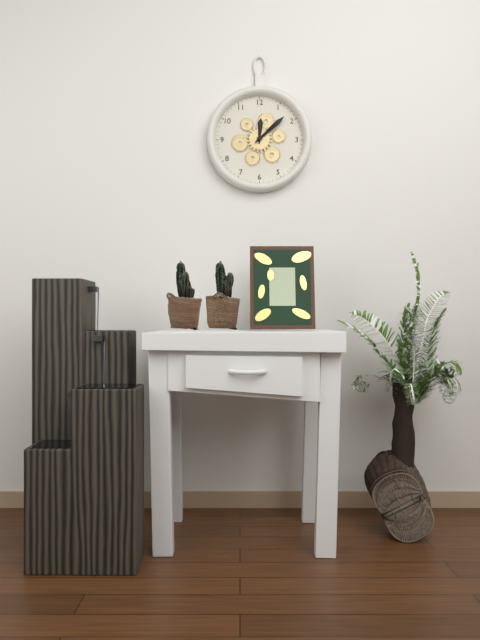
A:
12 h 08 min
